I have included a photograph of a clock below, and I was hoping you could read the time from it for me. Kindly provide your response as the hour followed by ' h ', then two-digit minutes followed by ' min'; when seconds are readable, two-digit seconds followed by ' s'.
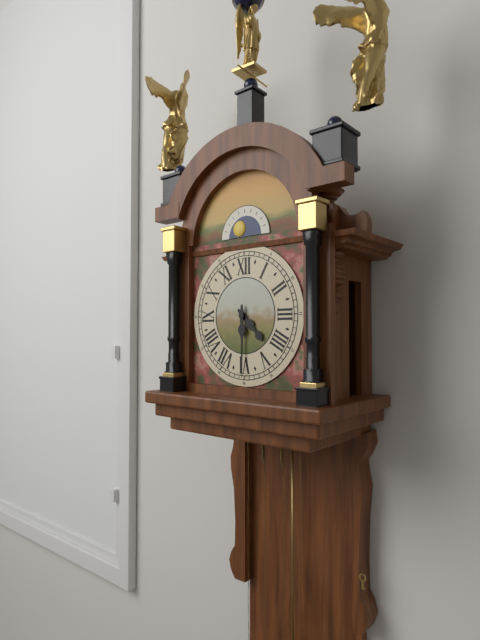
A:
4 h 30 min
